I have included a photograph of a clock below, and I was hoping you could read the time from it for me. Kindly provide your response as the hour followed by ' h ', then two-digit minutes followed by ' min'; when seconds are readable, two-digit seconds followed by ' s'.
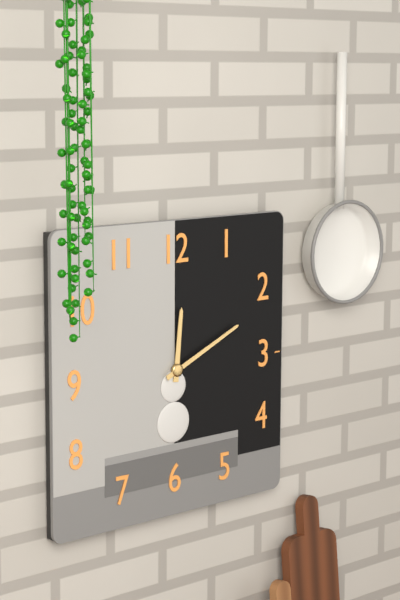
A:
12 h 11 min
